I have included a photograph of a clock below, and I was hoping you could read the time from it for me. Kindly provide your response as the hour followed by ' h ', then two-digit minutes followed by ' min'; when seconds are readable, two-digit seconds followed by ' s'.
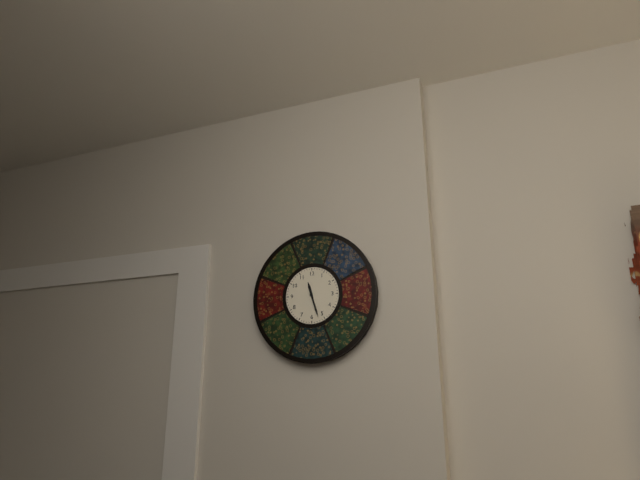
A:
11 h 27 min
